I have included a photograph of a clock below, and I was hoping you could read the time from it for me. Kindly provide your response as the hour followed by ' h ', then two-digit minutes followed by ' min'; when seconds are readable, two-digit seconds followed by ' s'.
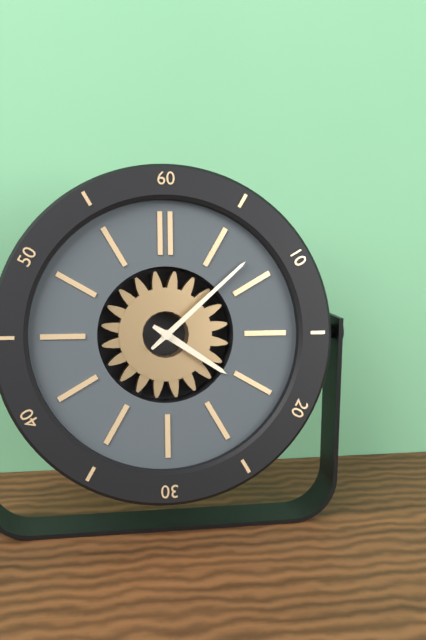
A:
4 h 08 min
